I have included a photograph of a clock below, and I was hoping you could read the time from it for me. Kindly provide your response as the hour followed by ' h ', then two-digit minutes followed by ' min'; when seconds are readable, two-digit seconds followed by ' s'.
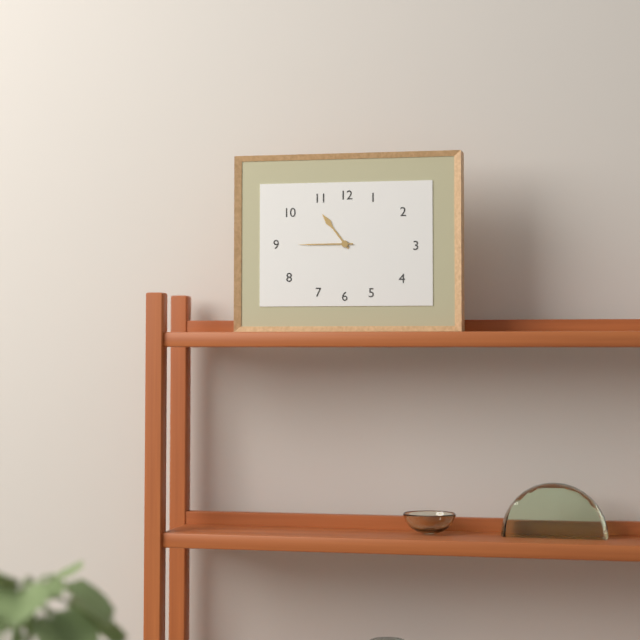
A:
10 h 45 min
